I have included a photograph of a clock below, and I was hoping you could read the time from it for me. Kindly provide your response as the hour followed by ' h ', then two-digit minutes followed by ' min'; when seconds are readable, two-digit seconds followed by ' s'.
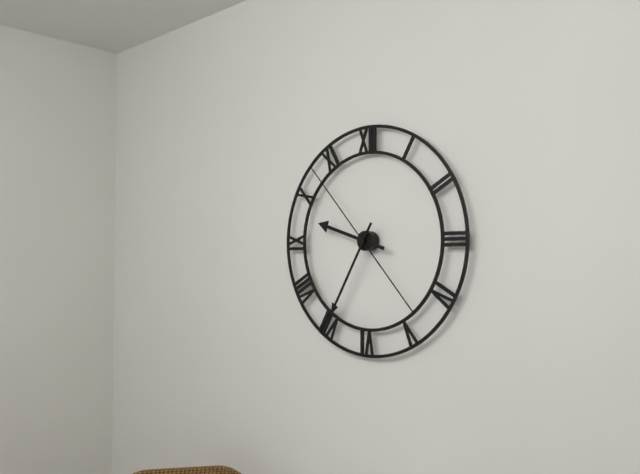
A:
9 h 35 min 53 s
